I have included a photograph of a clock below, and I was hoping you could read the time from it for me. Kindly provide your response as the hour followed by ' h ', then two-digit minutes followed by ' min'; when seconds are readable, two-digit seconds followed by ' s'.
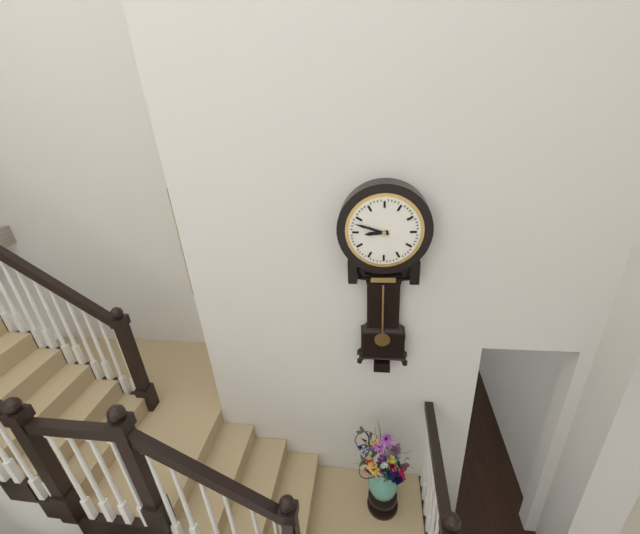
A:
8 h 48 min
